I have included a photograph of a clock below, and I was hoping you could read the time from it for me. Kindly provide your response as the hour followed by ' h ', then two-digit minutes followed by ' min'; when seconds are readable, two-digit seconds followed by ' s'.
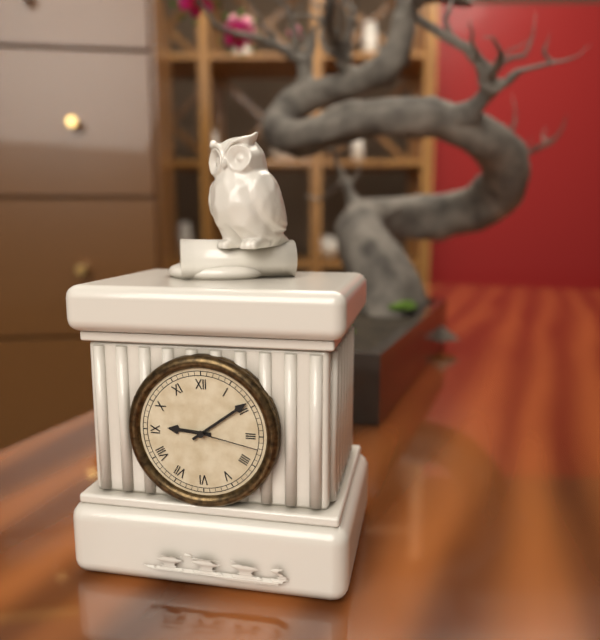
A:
9 h 09 min 17 s
